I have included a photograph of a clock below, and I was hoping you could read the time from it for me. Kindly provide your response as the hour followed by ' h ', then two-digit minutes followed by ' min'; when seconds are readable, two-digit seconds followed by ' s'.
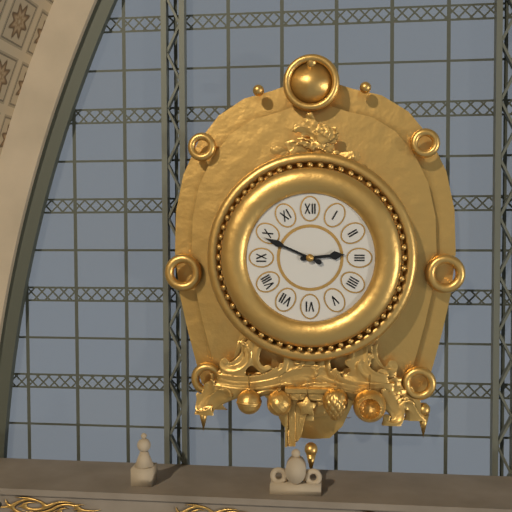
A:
2 h 49 min
